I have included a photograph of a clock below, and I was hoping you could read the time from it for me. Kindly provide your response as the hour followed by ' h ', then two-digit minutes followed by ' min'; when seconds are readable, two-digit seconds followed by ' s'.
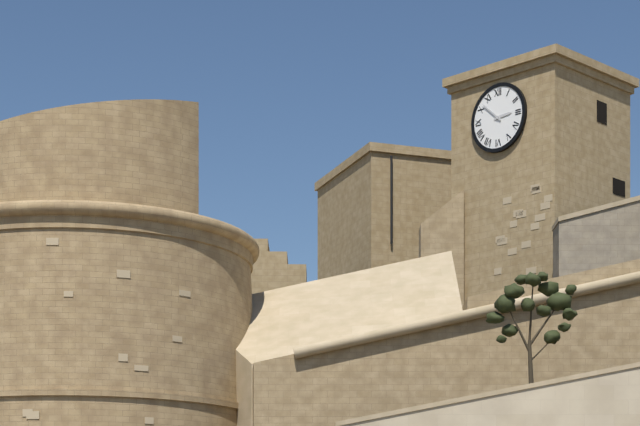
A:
2 h 52 min
